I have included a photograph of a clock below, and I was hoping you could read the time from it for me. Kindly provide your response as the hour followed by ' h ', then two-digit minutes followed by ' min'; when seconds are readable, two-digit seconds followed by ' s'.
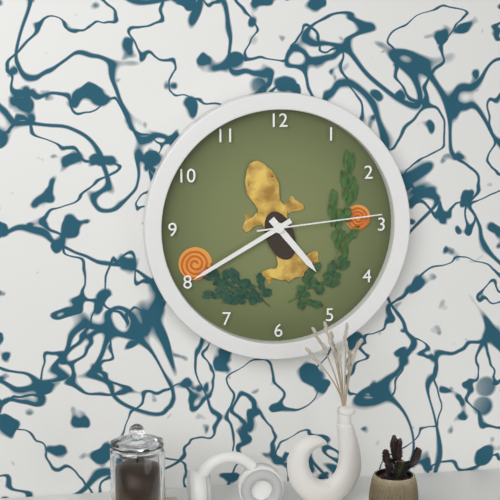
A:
4 h 40 min 14 s
